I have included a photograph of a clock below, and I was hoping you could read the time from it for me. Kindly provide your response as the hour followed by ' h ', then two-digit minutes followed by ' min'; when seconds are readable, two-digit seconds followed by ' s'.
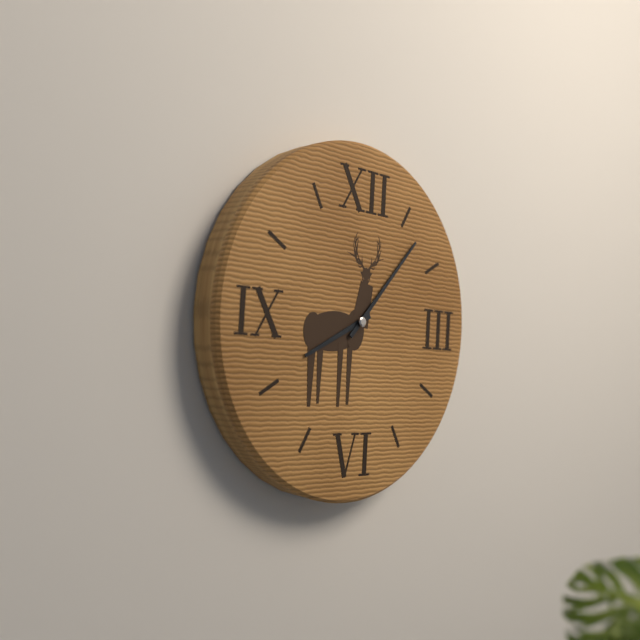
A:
8 h 07 min
